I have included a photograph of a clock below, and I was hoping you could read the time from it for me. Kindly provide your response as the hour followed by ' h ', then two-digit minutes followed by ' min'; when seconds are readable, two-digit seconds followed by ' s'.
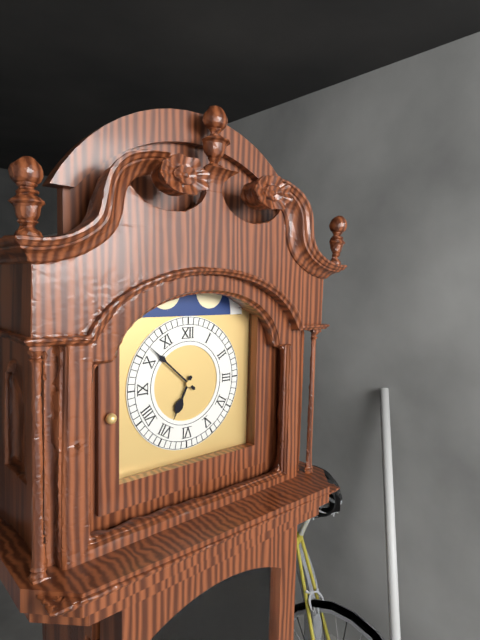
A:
6 h 52 min
